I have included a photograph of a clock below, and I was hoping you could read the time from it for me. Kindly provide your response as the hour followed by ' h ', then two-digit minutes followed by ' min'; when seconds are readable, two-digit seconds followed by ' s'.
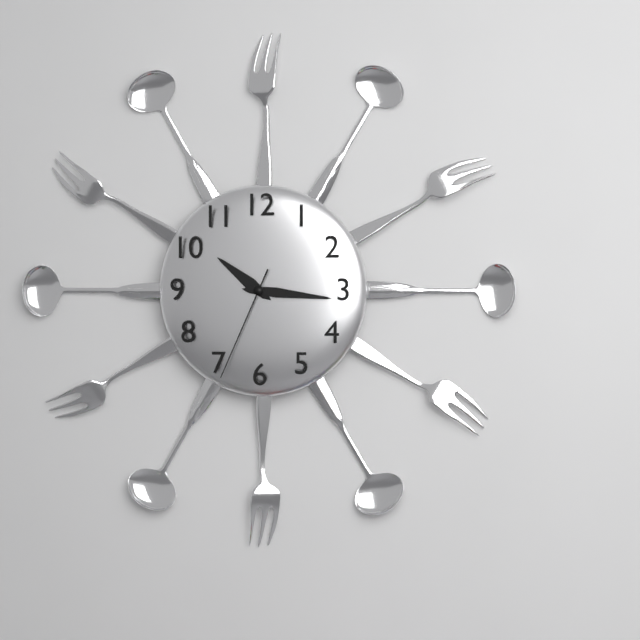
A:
10 h 16 min 34 s
